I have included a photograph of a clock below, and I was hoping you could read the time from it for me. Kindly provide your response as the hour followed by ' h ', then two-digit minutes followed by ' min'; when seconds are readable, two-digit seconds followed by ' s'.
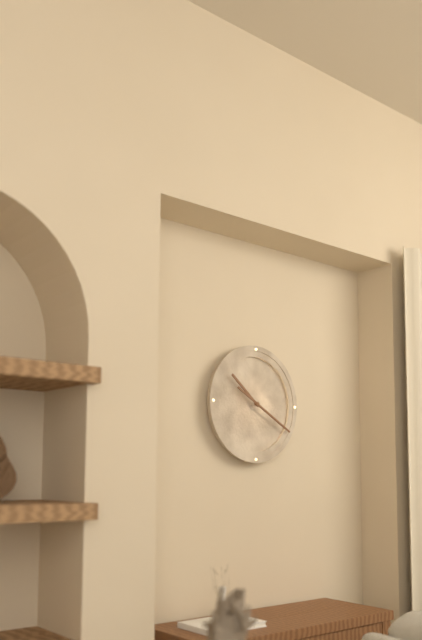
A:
10 h 20 min
